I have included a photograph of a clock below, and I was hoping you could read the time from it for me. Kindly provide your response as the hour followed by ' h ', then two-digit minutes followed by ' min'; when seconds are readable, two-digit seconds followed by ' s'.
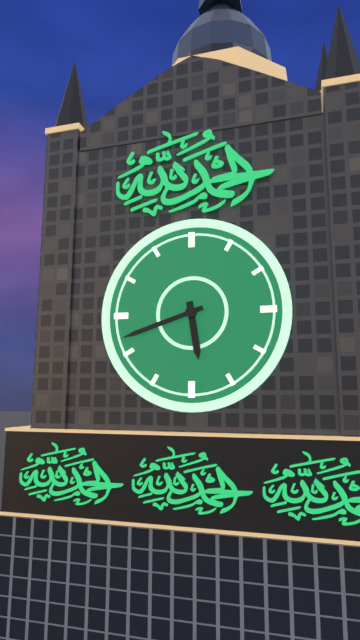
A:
5 h 42 min
